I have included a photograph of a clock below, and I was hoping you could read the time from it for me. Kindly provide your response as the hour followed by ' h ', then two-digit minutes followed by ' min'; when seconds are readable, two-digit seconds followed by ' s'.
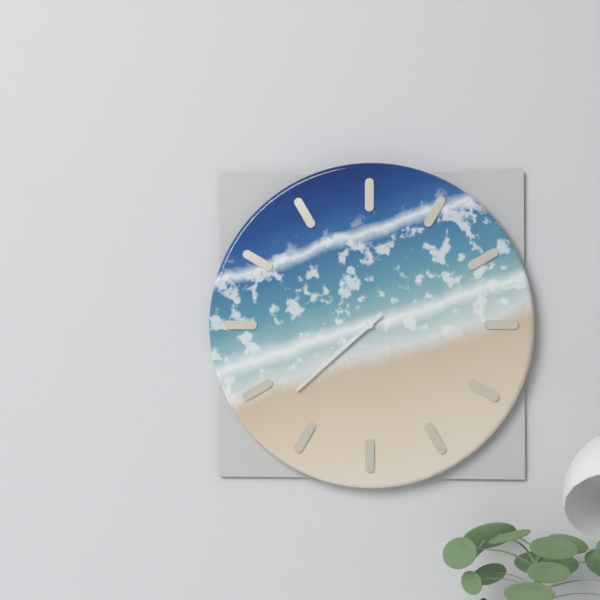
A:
7 h 38 min
